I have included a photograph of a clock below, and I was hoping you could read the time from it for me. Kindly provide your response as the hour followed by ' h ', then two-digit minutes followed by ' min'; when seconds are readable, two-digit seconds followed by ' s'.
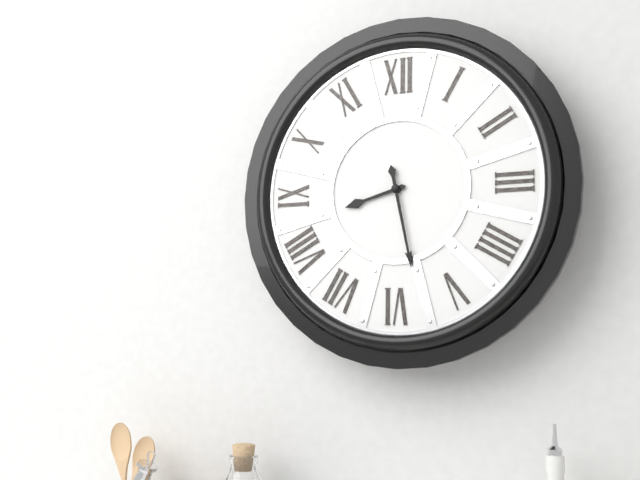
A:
8 h 28 min
